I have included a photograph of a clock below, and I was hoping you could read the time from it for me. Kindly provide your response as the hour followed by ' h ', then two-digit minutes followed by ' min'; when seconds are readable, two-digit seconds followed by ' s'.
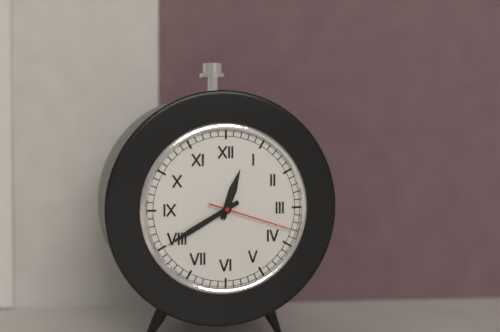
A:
12 h 40 min 18 s
